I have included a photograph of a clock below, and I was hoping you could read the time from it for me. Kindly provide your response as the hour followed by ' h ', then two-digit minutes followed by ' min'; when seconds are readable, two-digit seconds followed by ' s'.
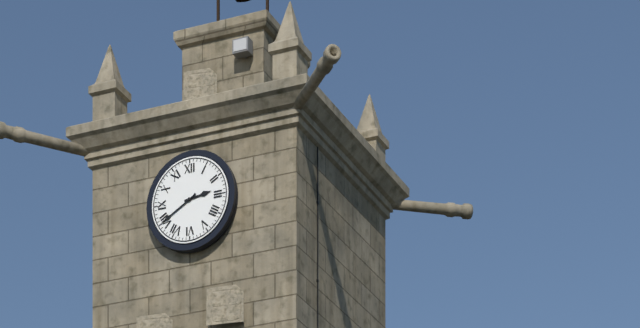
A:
2 h 40 min
